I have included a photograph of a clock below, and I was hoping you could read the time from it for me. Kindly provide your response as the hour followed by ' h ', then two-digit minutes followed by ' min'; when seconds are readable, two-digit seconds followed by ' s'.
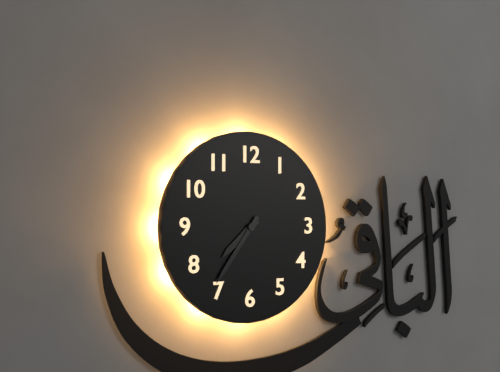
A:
7 h 36 min
